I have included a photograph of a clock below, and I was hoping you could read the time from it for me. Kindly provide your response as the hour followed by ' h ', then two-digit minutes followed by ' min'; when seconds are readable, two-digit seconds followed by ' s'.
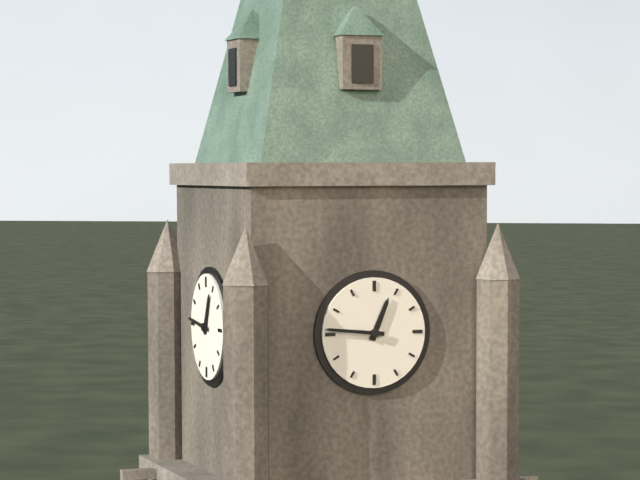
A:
12 h 46 min
